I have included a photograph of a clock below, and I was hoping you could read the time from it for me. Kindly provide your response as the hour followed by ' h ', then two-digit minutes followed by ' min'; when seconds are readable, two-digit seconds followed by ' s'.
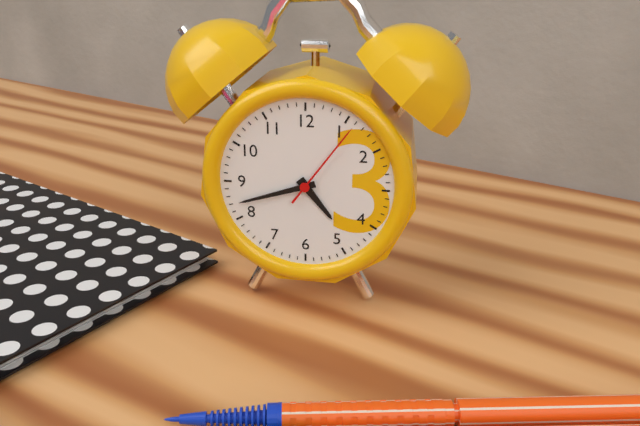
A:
4 h 42 min 06 s
